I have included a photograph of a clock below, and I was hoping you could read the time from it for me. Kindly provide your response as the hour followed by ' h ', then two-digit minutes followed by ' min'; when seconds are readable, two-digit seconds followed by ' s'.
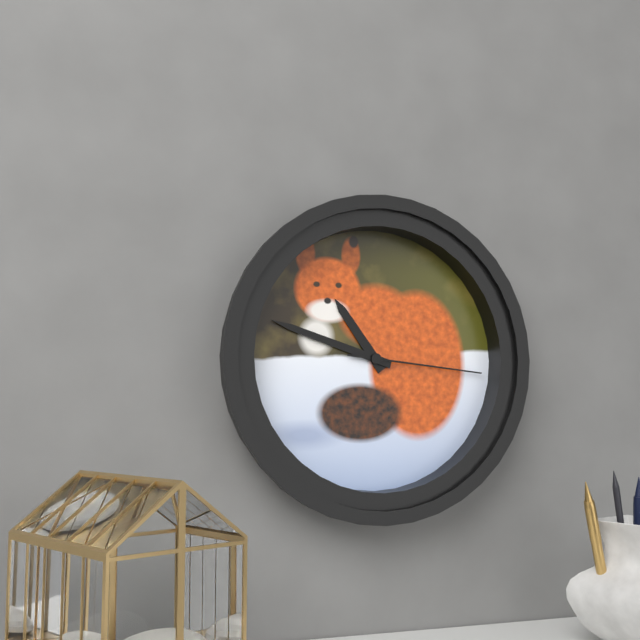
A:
10 h 48 min 16 s
